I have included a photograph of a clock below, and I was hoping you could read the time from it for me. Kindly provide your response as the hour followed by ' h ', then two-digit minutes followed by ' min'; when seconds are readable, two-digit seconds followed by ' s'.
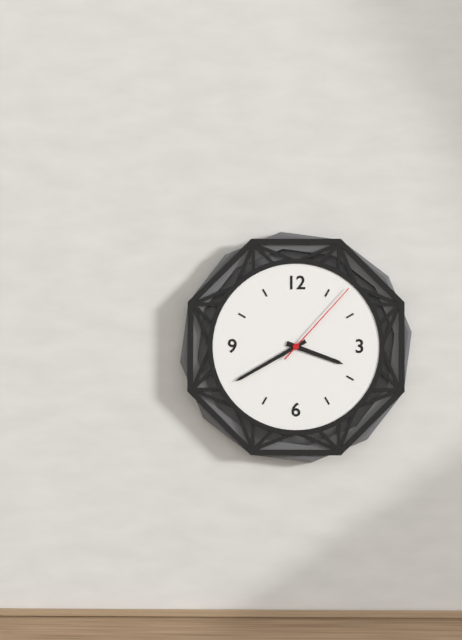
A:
3 h 40 min 07 s
